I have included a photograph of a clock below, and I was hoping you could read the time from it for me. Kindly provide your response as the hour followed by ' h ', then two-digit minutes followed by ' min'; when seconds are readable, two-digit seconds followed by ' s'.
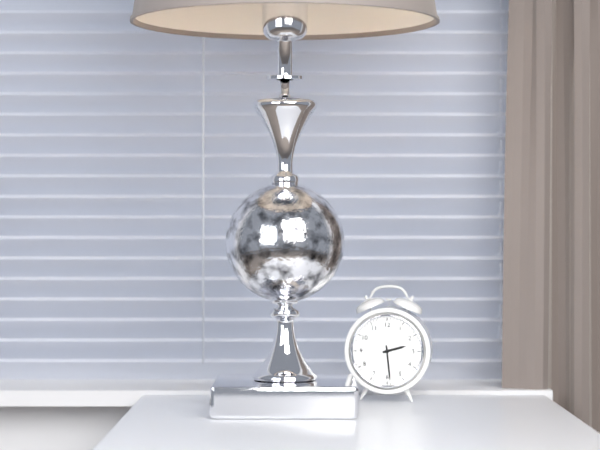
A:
2 h 29 min
